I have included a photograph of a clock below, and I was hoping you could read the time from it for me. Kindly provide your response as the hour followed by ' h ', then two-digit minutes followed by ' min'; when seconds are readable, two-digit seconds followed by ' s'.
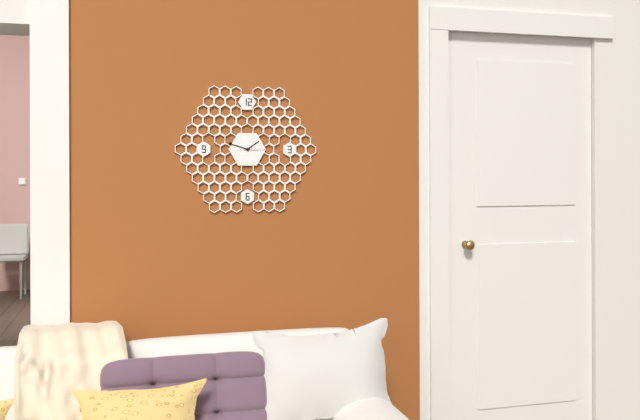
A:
1 h 48 min
